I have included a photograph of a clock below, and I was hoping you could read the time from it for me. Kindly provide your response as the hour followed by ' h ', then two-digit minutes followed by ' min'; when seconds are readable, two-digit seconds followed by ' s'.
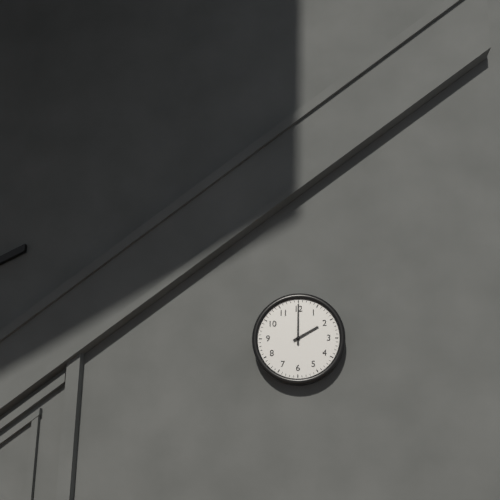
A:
2 h 00 min
